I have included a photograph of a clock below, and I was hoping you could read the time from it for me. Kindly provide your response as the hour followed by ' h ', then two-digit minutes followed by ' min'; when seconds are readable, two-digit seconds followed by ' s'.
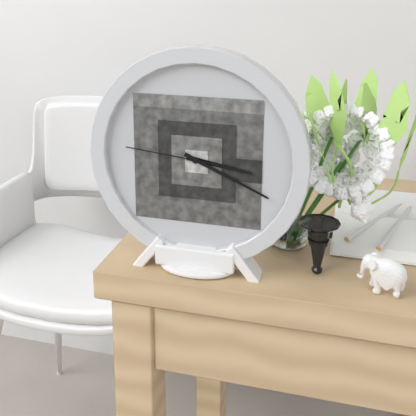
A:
3 h 19 min 46 s
